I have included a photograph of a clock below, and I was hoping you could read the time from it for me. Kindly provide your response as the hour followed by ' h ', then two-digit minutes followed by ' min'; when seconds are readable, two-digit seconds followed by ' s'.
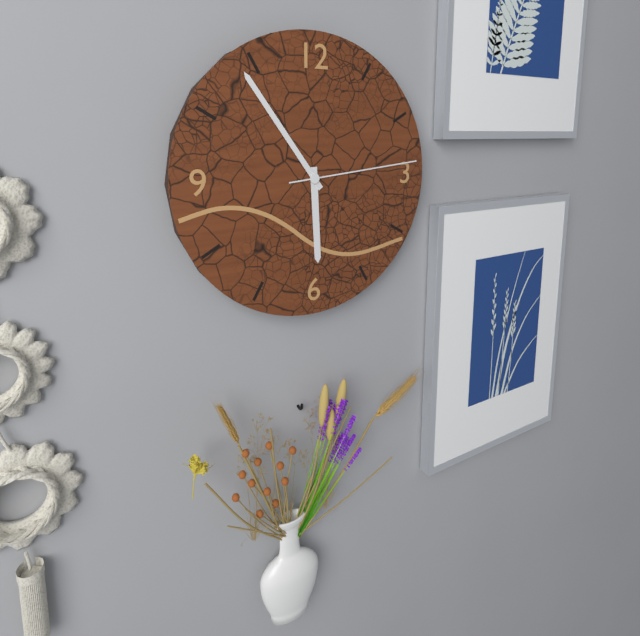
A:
5 h 54 min 14 s
